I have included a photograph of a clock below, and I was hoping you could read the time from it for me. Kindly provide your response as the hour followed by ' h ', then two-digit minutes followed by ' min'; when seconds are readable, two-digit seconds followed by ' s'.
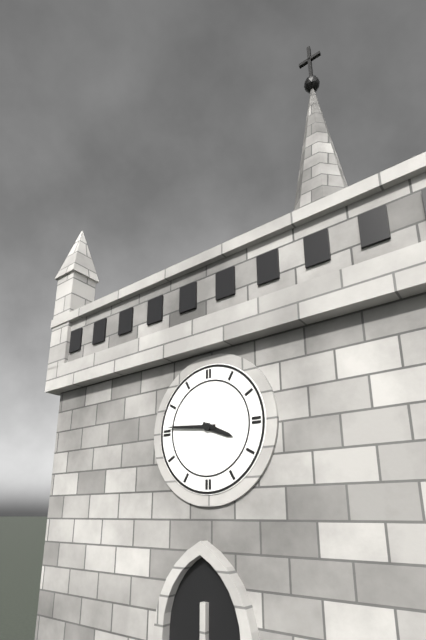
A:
3 h 46 min
